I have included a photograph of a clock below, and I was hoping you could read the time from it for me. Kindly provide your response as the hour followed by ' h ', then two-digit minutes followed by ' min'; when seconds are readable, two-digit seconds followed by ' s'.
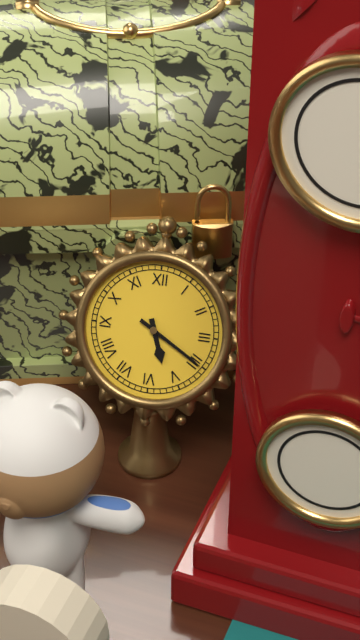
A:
5 h 20 min
